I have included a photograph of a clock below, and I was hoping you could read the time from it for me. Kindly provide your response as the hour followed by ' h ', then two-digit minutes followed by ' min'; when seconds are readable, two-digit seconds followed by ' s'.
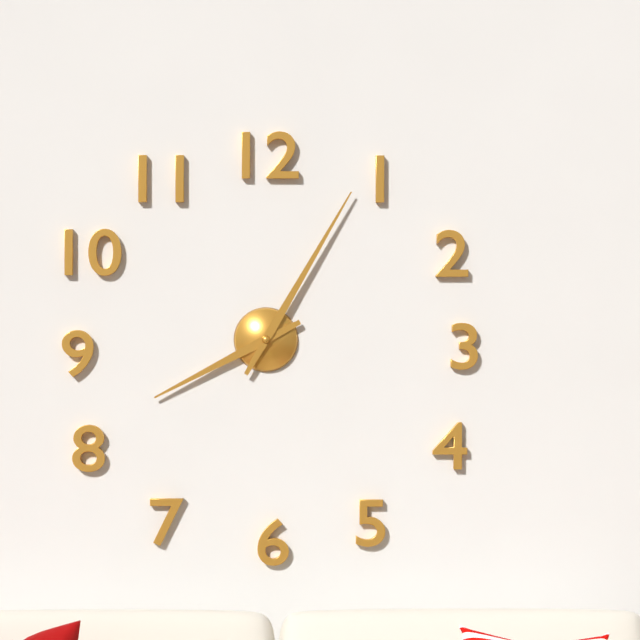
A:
8 h 05 min
